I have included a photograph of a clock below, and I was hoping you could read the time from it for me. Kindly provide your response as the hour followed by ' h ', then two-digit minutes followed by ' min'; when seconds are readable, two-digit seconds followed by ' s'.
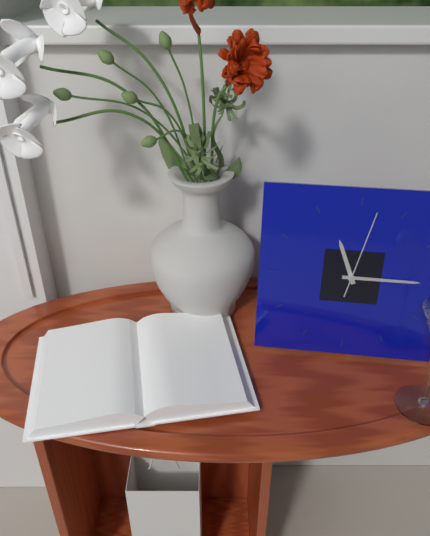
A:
11 h 15 min 02 s
